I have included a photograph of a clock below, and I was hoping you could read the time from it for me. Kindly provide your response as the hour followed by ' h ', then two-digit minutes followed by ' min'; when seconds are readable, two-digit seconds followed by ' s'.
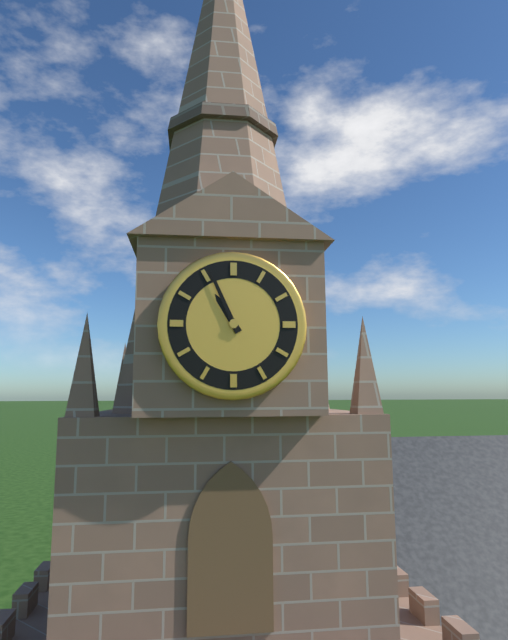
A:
10 h 56 min
